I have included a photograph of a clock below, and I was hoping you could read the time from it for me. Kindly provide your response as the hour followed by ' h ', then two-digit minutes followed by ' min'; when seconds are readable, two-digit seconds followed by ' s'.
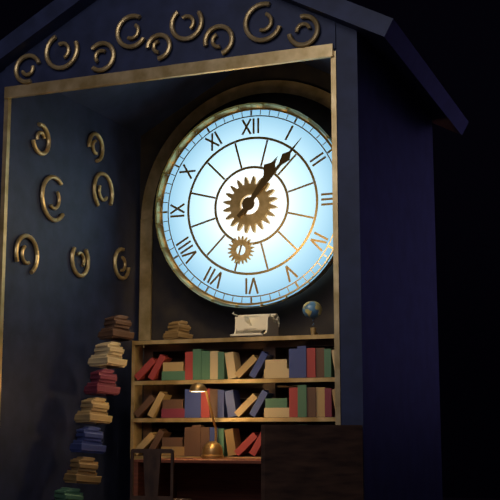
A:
1 h 07 min
